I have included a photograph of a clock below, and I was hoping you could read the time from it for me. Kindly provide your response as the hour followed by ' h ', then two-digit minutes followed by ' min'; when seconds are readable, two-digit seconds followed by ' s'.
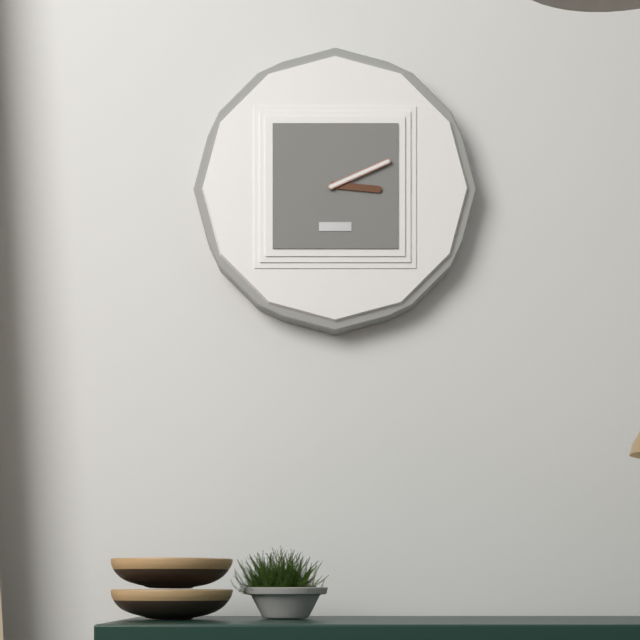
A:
3 h 11 min
